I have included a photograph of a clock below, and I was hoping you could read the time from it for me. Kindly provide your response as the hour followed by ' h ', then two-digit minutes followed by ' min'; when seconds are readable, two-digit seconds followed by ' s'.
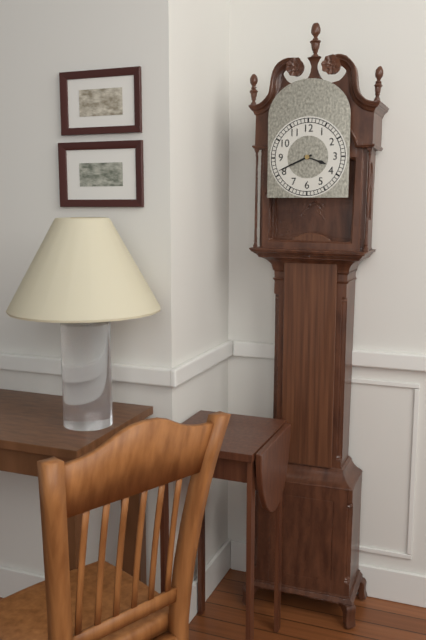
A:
3 h 41 min
